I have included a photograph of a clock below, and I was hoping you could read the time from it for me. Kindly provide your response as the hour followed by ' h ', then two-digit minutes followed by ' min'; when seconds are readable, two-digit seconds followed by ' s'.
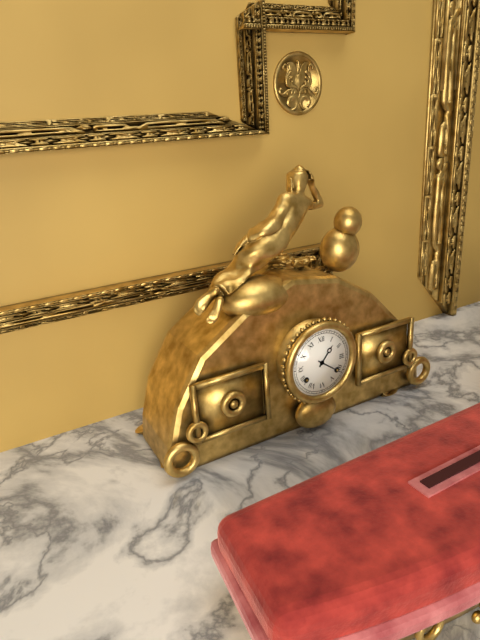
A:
1 h 21 min
